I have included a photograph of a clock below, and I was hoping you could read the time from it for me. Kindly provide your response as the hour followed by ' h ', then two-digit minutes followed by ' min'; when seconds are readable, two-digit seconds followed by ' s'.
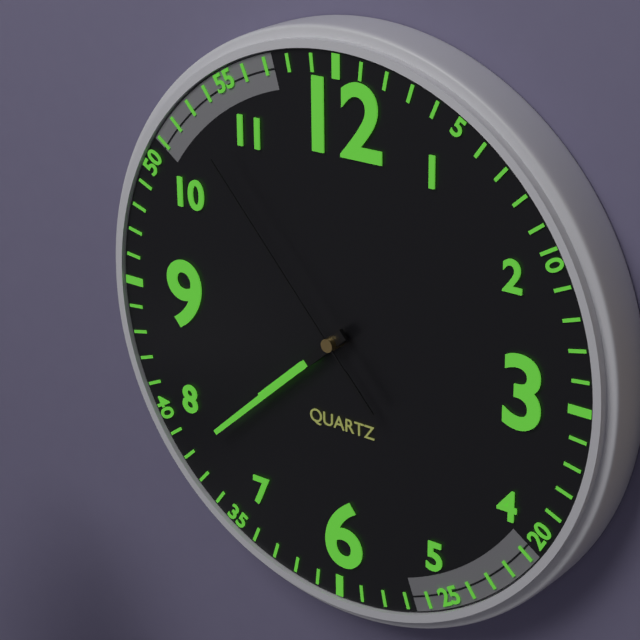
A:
7 h 38 min 53 s
